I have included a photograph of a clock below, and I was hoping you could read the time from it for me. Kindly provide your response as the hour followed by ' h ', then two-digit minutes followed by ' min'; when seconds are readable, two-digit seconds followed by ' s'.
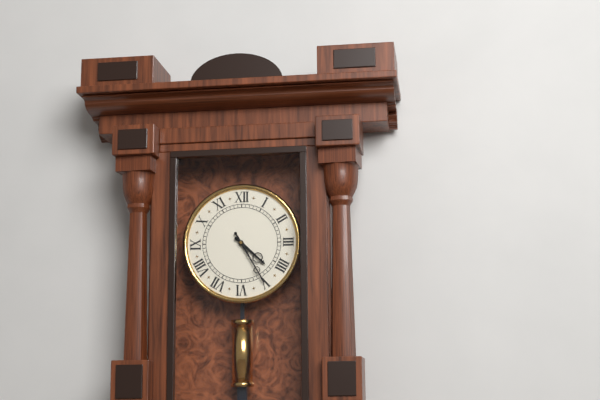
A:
4 h 25 min
